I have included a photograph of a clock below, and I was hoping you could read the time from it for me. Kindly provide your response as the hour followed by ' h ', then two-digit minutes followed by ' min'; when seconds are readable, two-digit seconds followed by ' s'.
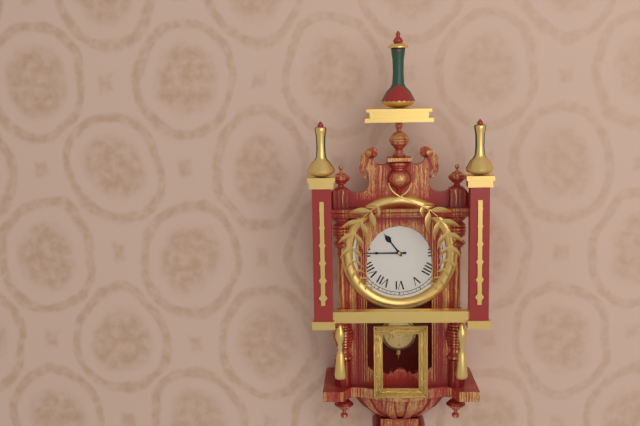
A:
10 h 45 min
